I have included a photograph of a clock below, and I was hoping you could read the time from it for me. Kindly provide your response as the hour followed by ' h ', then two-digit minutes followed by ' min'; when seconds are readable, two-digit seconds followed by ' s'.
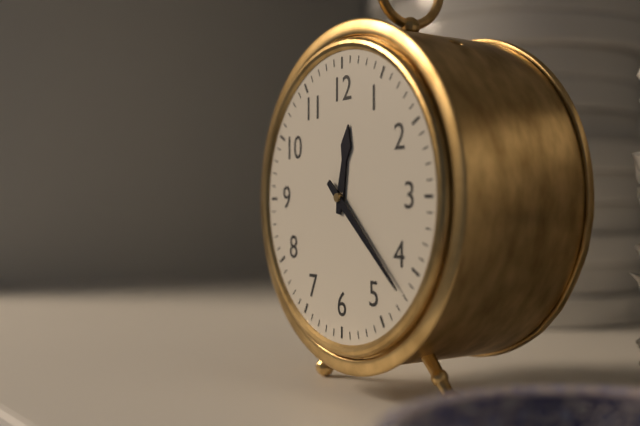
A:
12 h 22 min
